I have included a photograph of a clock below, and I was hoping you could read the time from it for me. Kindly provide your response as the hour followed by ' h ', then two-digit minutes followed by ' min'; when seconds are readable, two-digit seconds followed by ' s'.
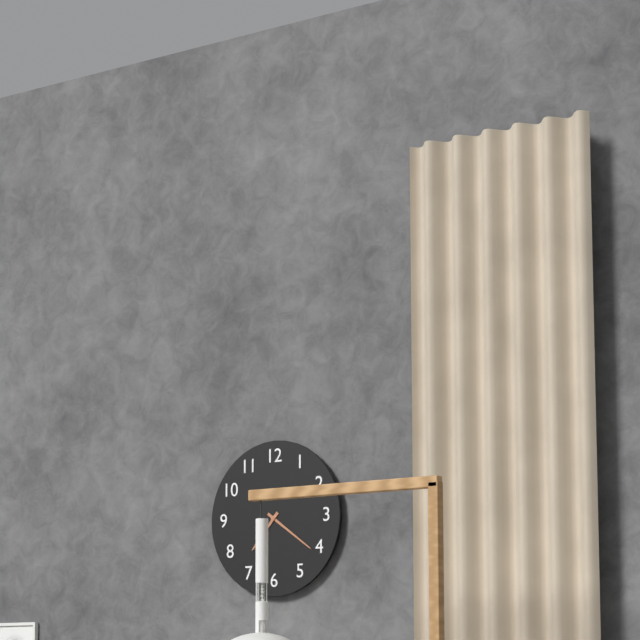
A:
7 h 21 min
